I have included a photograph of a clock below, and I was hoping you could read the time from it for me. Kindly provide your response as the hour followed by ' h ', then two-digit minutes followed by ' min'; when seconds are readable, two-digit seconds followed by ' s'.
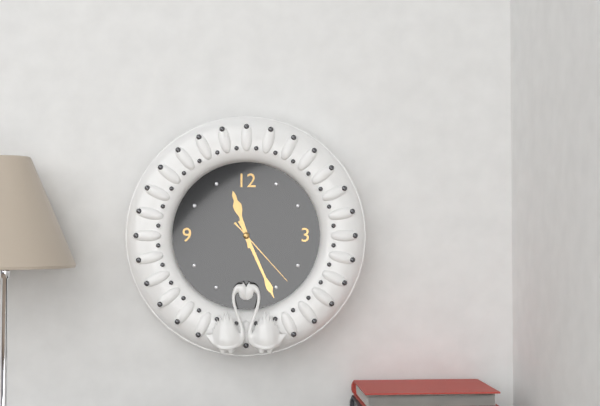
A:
11 h 26 min 23 s
